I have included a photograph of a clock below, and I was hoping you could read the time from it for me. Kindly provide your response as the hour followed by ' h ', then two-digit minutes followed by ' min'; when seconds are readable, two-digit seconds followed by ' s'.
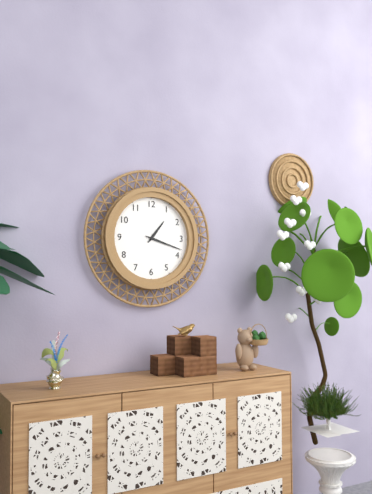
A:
1 h 18 min
